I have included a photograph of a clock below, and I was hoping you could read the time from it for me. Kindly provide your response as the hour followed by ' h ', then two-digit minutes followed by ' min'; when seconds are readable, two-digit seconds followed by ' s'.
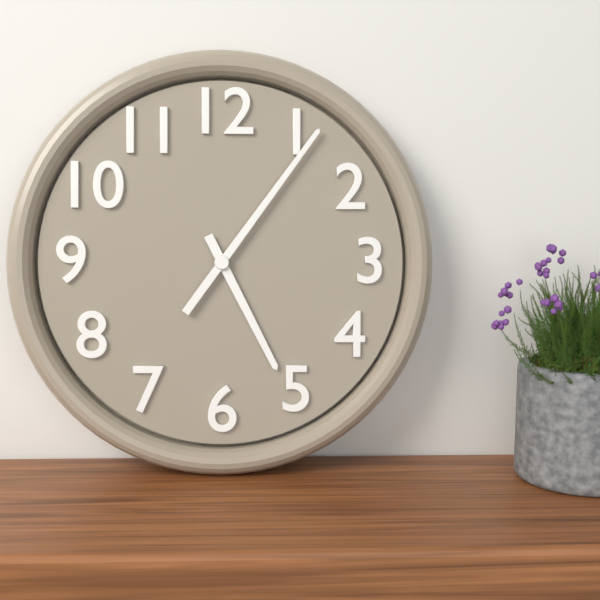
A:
5 h 06 min
